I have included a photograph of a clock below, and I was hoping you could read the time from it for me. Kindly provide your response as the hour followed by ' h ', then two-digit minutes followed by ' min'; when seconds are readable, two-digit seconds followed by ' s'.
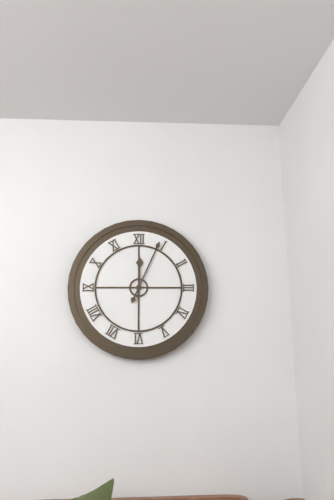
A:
12 h 04 min
